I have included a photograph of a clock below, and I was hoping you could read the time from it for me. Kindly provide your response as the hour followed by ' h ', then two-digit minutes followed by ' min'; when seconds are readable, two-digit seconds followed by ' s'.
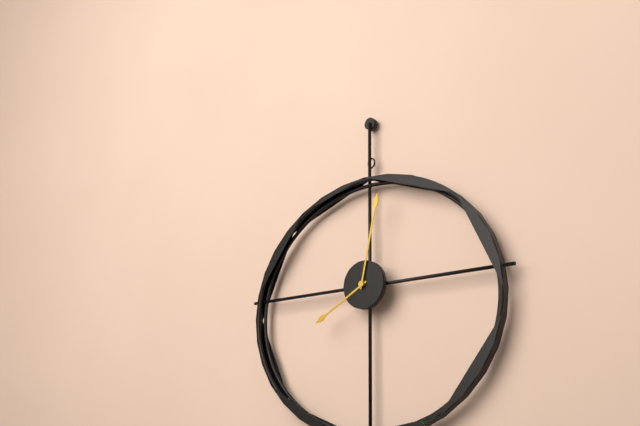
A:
8 h 02 min
